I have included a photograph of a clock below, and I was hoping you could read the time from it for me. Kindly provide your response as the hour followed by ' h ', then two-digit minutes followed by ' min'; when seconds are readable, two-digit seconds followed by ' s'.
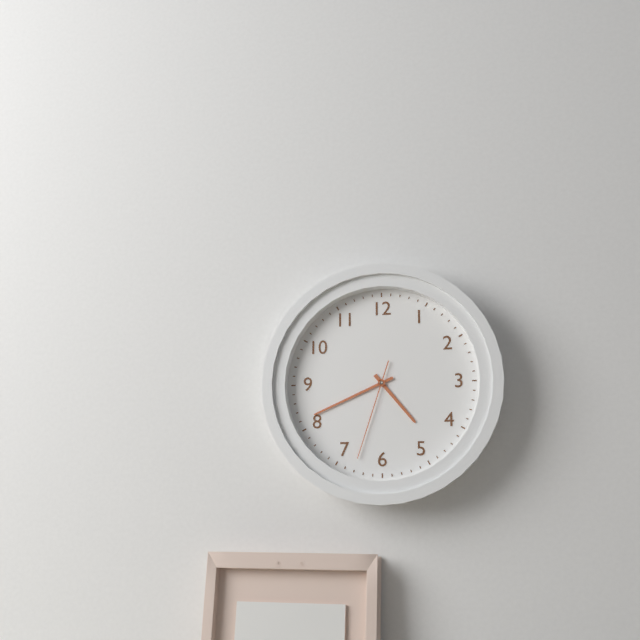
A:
4 h 41 min 33 s
